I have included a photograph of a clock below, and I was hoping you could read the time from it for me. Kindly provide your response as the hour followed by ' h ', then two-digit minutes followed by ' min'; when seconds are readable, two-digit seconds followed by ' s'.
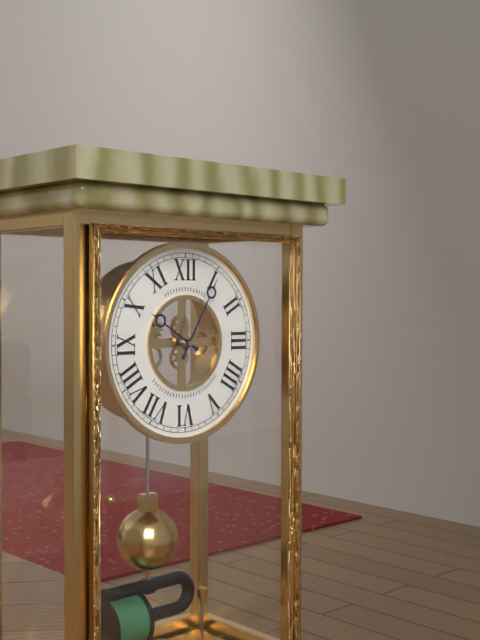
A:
10 h 05 min
